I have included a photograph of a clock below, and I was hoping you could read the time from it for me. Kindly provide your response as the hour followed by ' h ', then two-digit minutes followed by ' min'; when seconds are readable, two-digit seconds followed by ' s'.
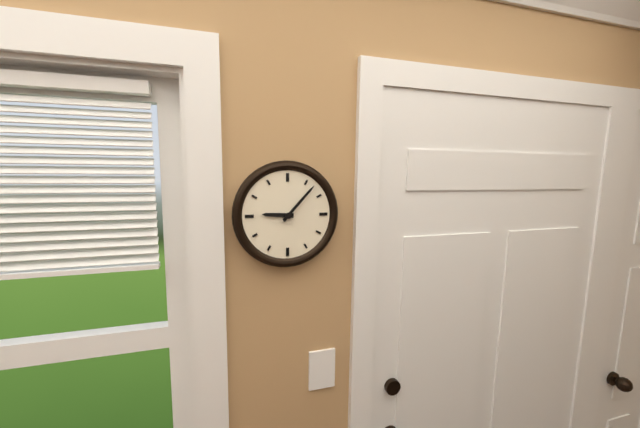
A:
9 h 07 min
